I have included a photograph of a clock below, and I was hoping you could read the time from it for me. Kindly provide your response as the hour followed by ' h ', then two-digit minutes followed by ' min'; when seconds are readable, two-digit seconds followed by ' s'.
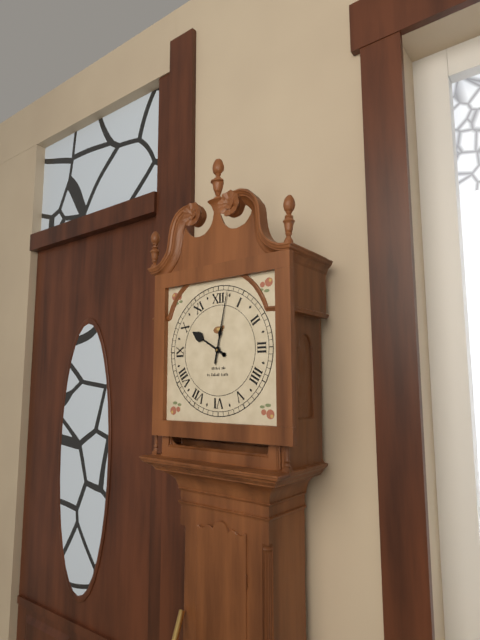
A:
10 h 02 min
